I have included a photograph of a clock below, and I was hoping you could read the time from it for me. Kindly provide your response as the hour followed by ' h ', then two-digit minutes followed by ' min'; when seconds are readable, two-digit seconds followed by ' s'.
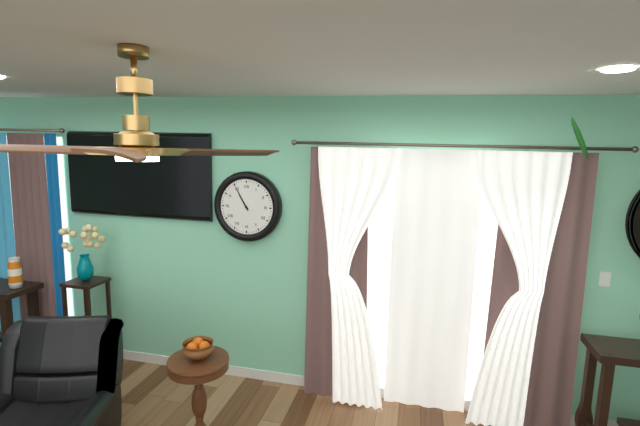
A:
10 h 55 min
